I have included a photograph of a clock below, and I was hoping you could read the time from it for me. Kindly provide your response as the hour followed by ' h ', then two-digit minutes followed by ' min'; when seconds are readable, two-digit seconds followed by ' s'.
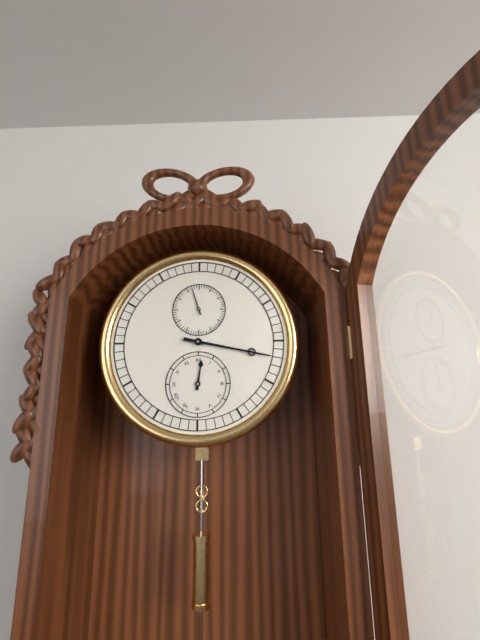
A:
12 h 17 min
